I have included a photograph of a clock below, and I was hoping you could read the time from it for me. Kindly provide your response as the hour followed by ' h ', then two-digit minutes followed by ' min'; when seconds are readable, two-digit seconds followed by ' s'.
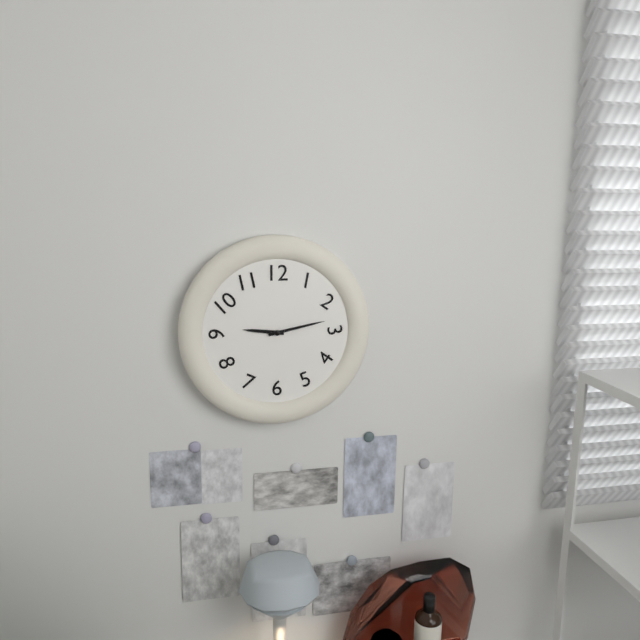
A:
9 h 13 min
